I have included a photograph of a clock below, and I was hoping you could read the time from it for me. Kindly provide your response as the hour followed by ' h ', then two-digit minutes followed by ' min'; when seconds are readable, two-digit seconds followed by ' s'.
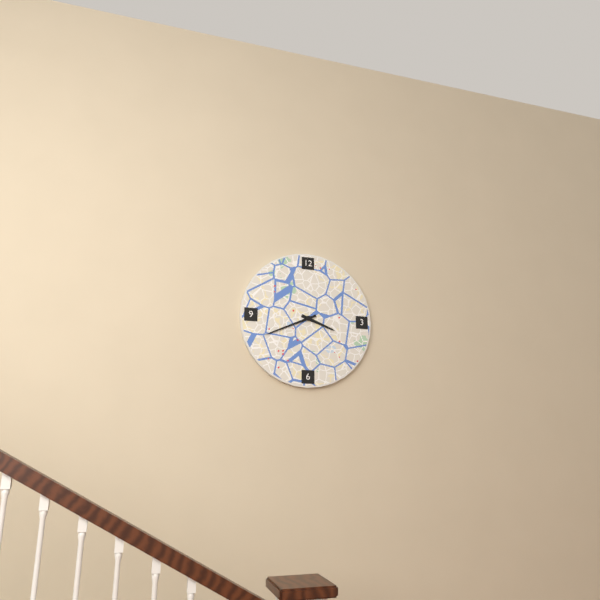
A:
3 h 41 min
